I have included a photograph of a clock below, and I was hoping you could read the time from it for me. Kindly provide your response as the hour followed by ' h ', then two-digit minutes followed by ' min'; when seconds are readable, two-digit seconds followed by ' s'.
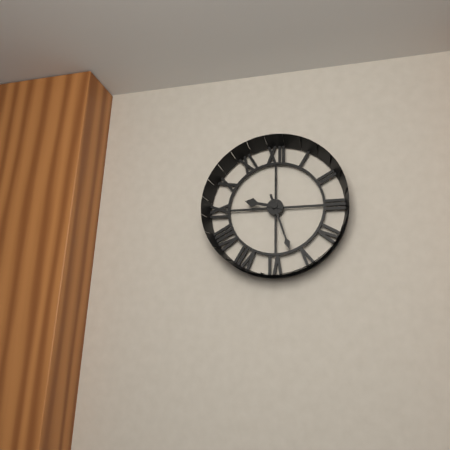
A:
9 h 27 min
